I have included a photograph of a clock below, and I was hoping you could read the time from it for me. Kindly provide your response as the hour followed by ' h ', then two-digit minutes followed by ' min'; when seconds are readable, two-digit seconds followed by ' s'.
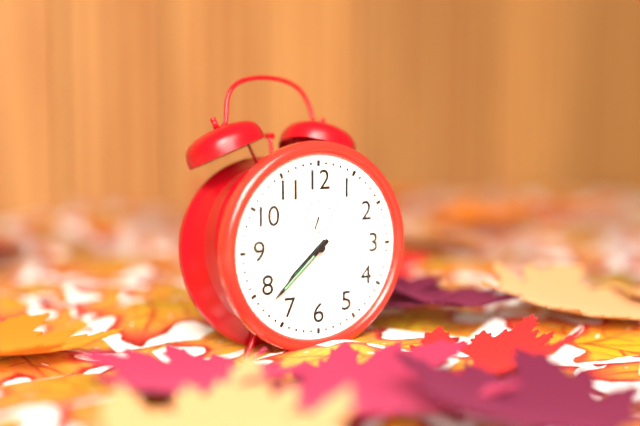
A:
7 h 38 min
